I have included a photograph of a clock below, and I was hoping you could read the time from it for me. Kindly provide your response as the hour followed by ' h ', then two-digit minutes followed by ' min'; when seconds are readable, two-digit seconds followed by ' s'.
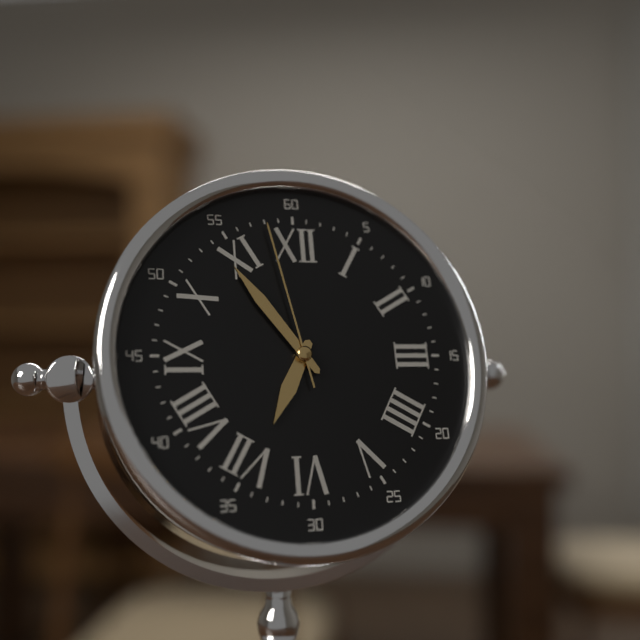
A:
6 h 54 min 58 s
